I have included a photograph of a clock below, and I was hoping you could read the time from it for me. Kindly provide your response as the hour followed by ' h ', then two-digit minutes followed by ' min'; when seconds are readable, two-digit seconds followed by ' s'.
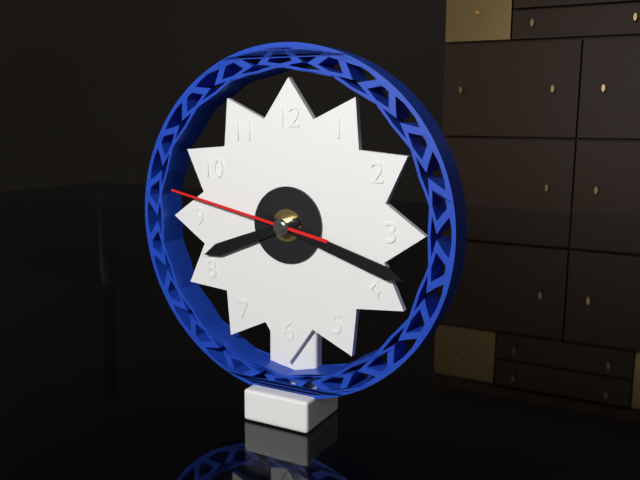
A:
8 h 18 min 47 s
